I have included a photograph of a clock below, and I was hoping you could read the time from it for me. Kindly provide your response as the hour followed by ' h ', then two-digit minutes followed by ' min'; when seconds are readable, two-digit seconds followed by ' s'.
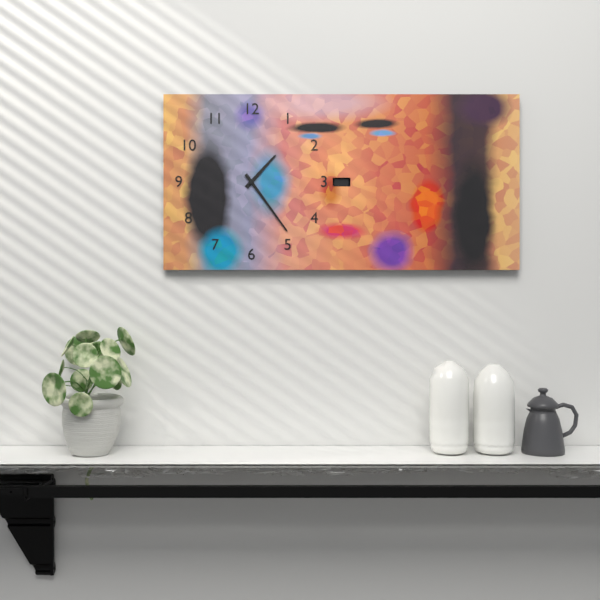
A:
1 h 24 min
